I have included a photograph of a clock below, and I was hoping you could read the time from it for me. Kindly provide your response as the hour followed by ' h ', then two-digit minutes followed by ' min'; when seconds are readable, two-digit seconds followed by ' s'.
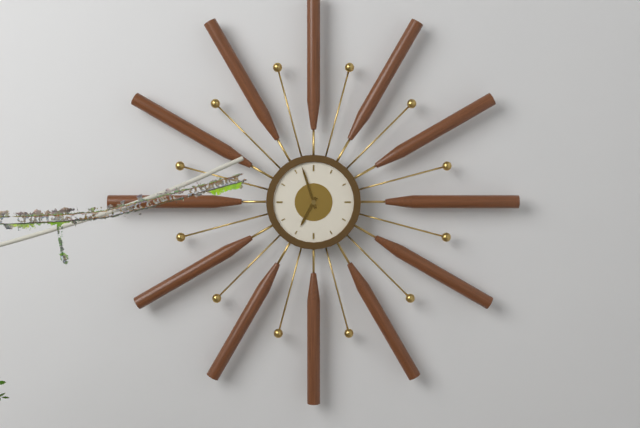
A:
6 h 57 min
